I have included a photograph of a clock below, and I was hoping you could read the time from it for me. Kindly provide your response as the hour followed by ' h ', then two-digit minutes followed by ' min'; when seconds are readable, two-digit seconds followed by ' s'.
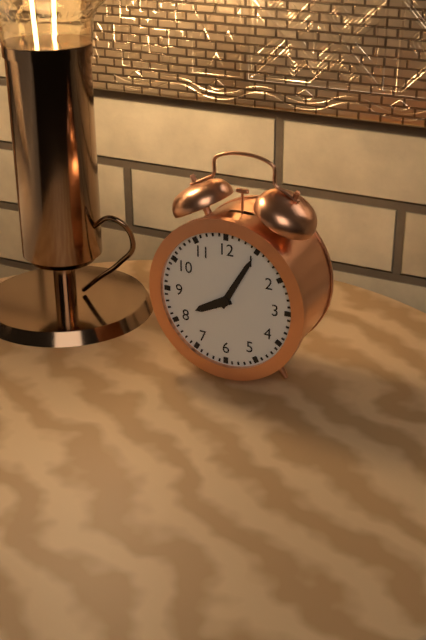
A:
8 h 05 min
